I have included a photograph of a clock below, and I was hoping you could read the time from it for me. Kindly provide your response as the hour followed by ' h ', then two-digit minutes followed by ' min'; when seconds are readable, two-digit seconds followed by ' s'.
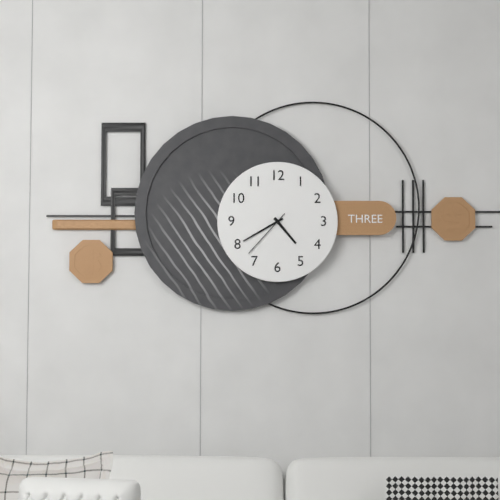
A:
4 h 40 min 37 s
